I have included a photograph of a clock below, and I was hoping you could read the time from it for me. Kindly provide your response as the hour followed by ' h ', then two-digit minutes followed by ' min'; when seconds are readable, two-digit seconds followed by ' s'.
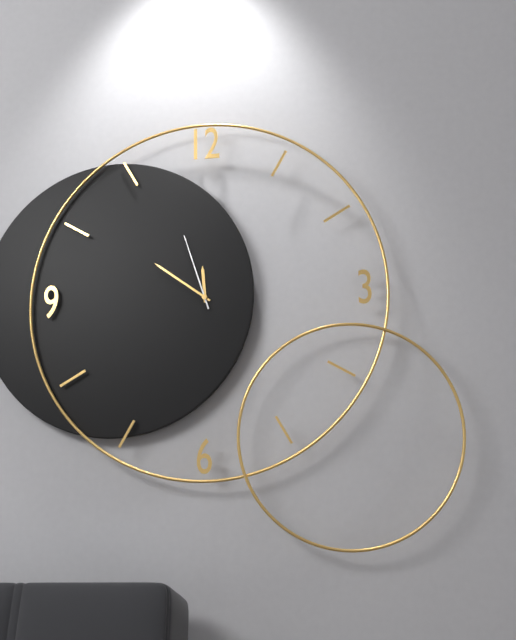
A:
11 h 51 min 57 s
